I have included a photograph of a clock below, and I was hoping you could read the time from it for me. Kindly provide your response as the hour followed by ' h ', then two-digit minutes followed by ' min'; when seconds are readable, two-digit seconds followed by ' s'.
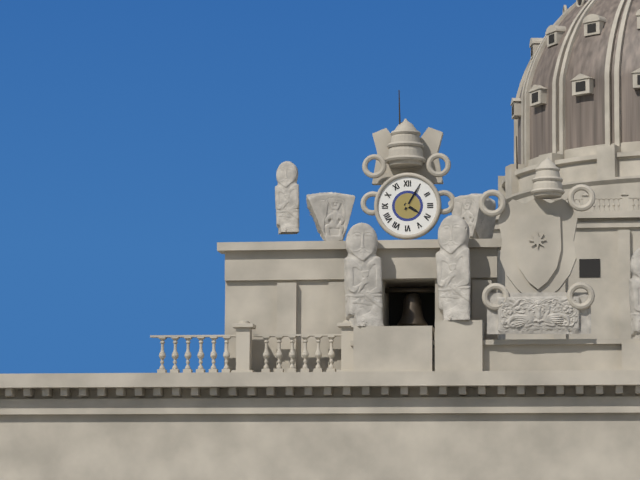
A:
4 h 05 min
